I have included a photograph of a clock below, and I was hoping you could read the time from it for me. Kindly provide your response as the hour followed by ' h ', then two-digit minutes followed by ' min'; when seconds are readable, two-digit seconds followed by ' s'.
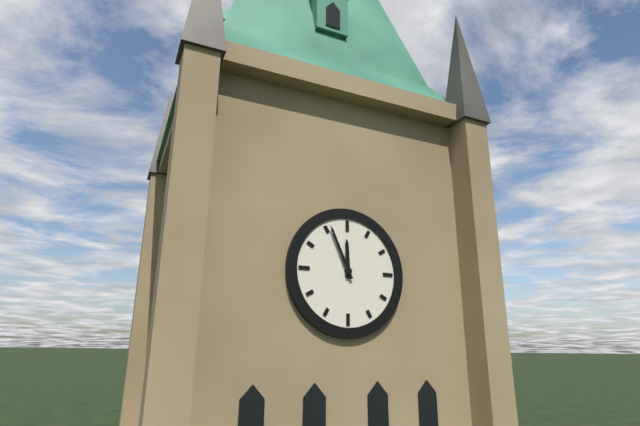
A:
11 h 56 min
